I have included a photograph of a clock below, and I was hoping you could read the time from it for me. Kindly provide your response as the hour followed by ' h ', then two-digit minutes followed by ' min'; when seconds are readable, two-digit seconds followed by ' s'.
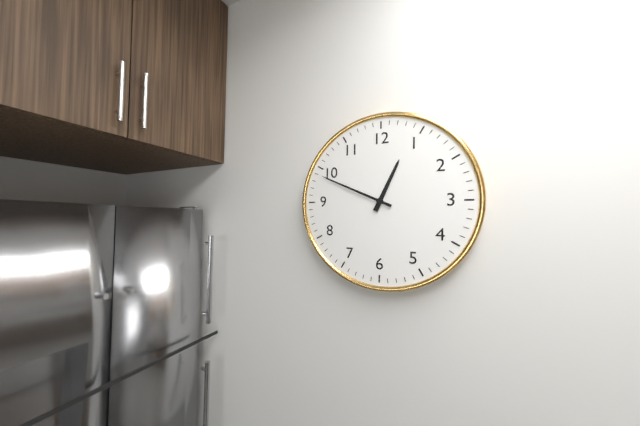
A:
12 h 49 min
